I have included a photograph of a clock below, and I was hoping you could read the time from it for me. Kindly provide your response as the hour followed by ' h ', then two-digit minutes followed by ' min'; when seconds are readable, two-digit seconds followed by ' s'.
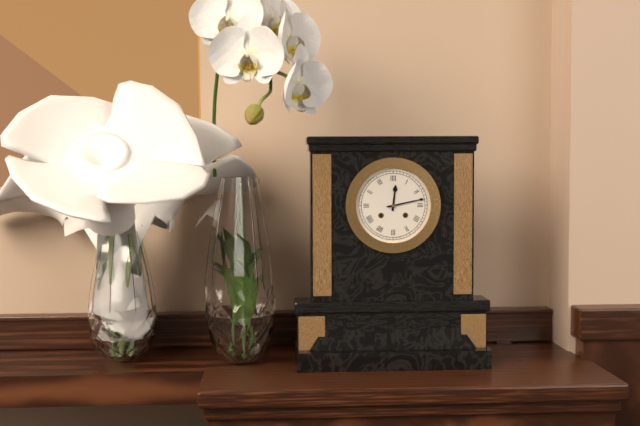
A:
12 h 13 min
